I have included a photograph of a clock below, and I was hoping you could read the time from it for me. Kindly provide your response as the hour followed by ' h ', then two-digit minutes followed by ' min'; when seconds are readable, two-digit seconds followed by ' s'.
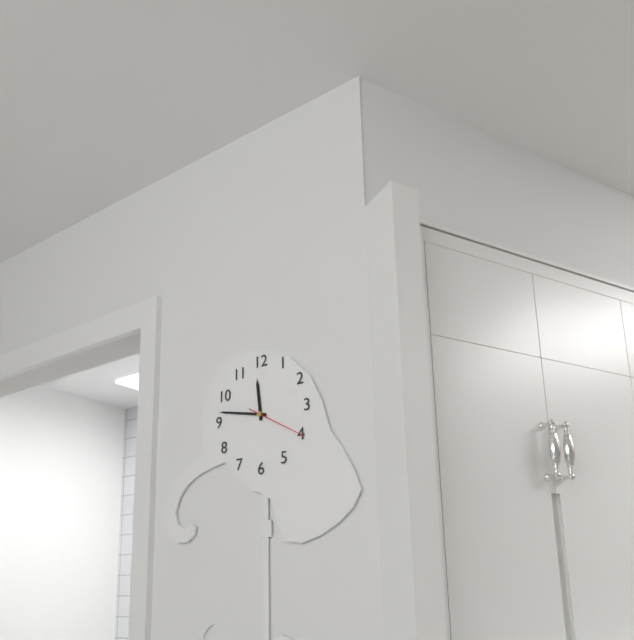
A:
11 h 47 min 20 s
